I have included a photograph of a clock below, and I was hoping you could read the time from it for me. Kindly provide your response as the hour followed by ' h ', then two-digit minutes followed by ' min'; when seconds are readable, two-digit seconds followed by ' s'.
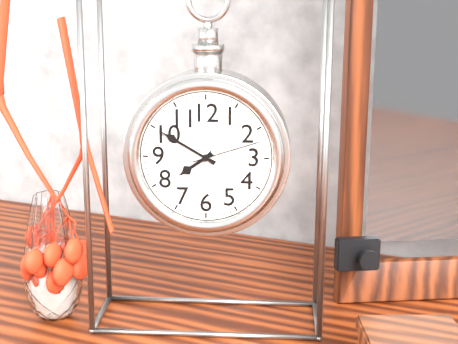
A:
7 h 50 min 12 s
